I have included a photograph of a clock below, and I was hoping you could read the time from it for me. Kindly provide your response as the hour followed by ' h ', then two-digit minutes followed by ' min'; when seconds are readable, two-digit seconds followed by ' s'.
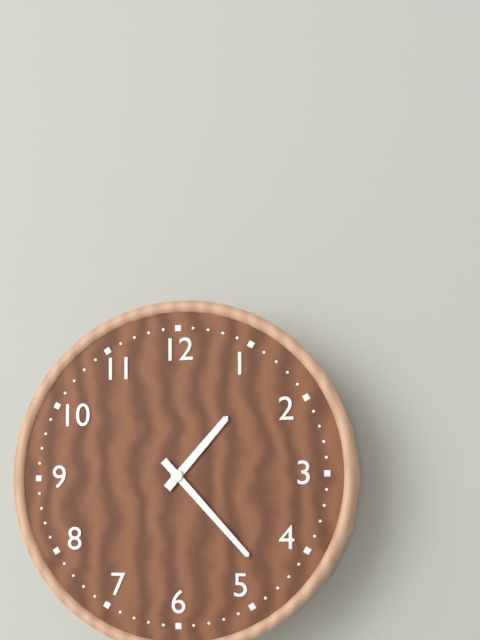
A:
1 h 23 min
